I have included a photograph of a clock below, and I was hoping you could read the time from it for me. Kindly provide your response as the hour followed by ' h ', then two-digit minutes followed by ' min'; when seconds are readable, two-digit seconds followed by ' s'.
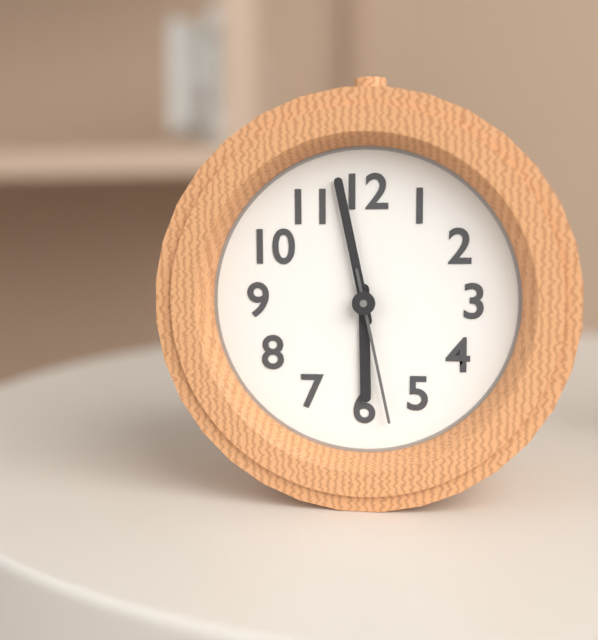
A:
5 h 58 min 28 s
